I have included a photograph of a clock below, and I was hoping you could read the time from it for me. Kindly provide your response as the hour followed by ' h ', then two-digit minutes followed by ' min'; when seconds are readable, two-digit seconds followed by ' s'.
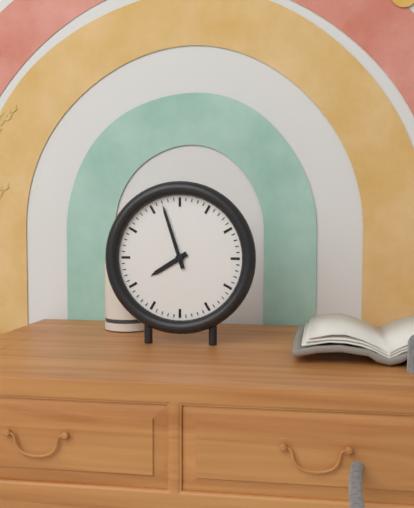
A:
7 h 57 min
